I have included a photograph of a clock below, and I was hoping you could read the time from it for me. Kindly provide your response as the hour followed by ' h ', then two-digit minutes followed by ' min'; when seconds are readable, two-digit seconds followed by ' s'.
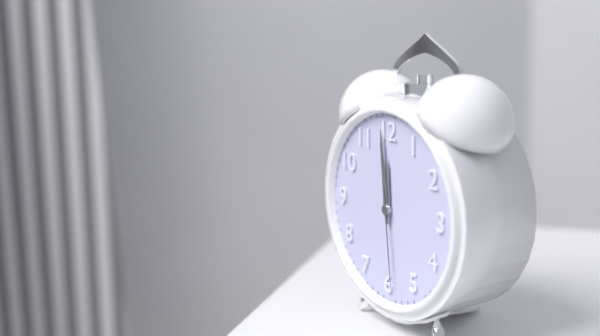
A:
11 h 59 min 29 s
